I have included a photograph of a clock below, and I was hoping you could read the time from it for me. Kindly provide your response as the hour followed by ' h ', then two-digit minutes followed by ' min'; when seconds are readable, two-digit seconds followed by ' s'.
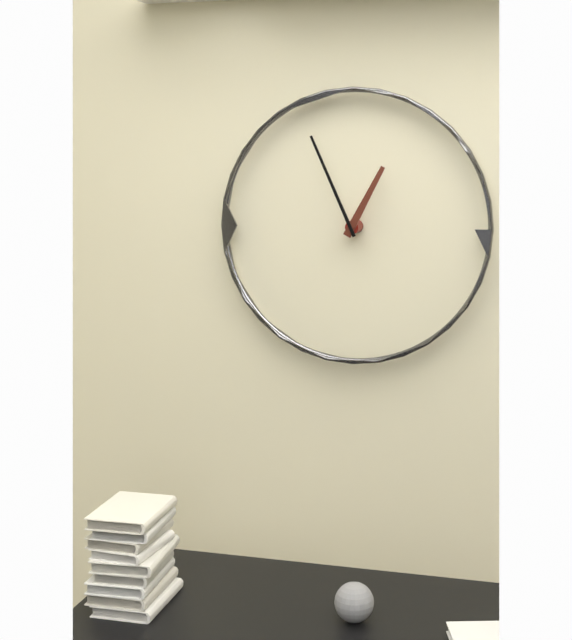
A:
12 h 56 min
